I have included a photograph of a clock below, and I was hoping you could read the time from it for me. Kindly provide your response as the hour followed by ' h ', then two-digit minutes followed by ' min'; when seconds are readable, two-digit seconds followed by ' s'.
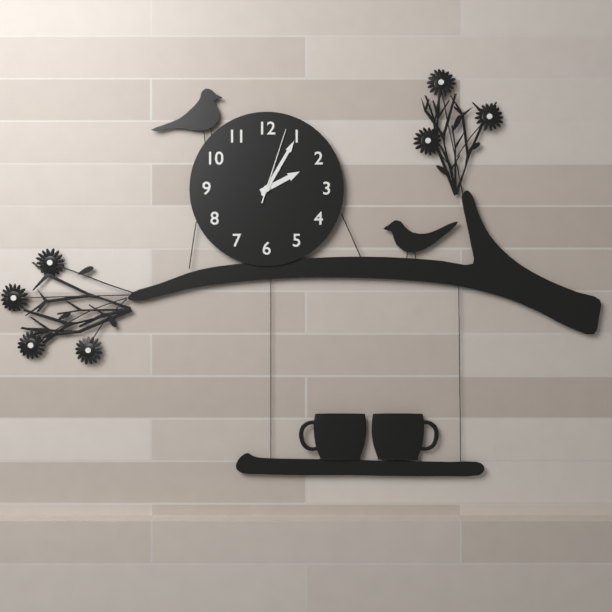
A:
2 h 05 min 03 s
